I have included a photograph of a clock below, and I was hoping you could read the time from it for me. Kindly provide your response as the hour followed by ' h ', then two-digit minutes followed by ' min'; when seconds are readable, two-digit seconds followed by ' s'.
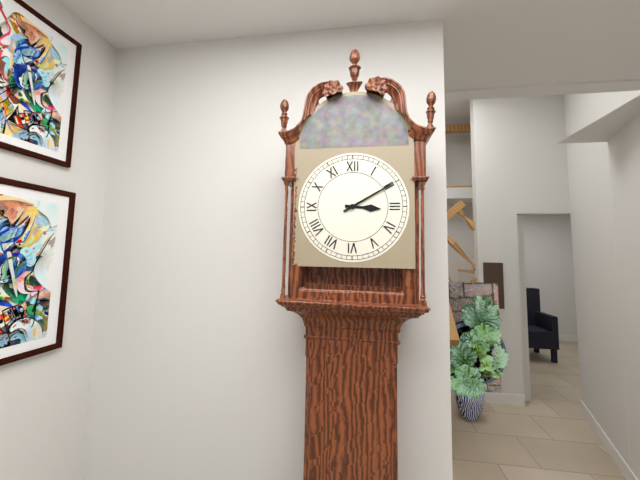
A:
3 h 10 min
